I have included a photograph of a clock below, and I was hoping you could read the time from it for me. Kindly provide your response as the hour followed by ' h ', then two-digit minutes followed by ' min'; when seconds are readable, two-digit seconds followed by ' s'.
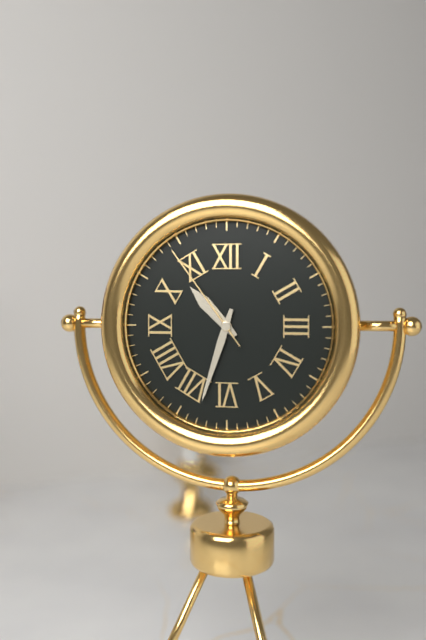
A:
10 h 33 min 54 s
